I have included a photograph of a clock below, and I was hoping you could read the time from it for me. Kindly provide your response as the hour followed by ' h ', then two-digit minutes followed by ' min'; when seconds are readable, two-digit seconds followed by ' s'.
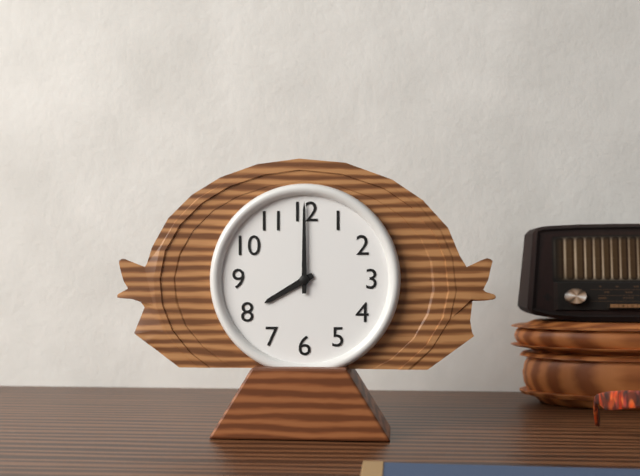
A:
8 h 00 min
